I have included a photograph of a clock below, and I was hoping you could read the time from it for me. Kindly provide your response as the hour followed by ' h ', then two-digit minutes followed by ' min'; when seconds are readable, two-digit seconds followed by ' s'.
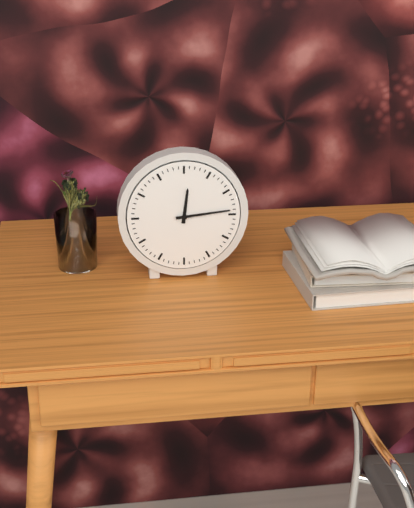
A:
12 h 14 min
